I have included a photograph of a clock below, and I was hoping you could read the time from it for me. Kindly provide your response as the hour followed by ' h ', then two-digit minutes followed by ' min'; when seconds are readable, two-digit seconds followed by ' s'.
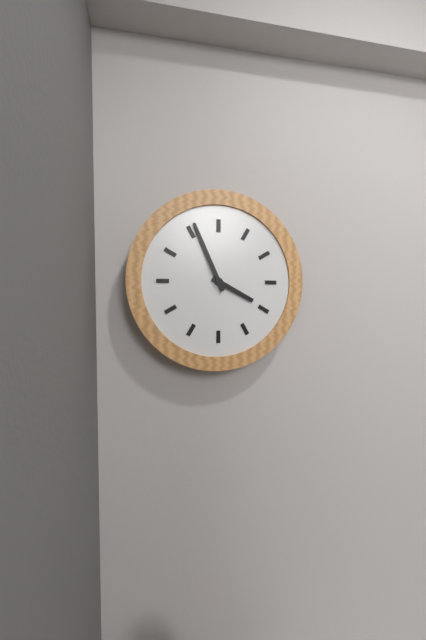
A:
3 h 56 min
